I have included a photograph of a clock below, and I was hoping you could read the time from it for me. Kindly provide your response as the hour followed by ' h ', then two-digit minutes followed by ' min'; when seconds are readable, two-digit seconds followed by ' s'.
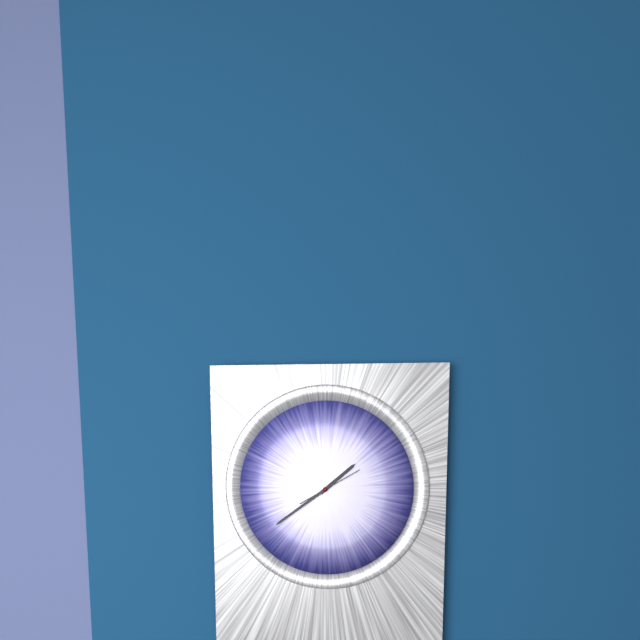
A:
1 h 39 min
